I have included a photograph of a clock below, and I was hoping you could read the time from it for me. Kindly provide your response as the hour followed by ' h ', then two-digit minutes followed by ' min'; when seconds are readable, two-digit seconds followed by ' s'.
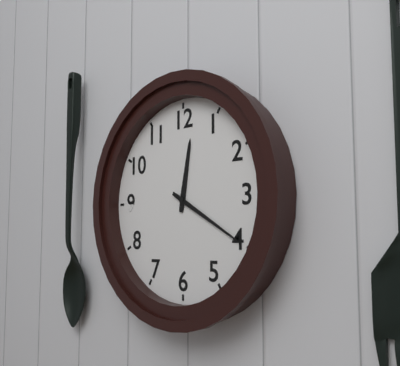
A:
12 h 20 min
